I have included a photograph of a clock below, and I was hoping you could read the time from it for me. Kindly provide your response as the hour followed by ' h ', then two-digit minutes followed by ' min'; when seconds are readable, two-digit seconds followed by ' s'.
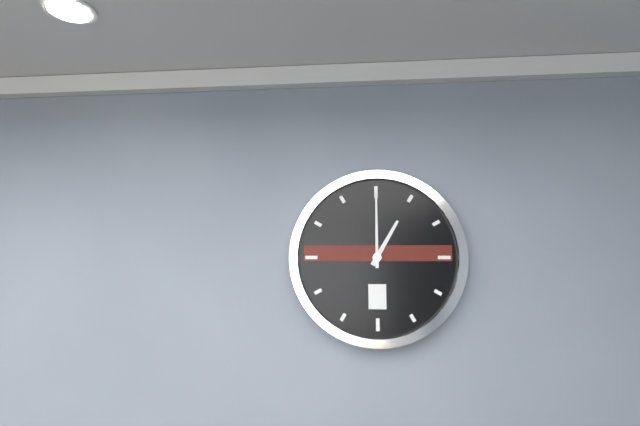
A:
1 h 00 min
